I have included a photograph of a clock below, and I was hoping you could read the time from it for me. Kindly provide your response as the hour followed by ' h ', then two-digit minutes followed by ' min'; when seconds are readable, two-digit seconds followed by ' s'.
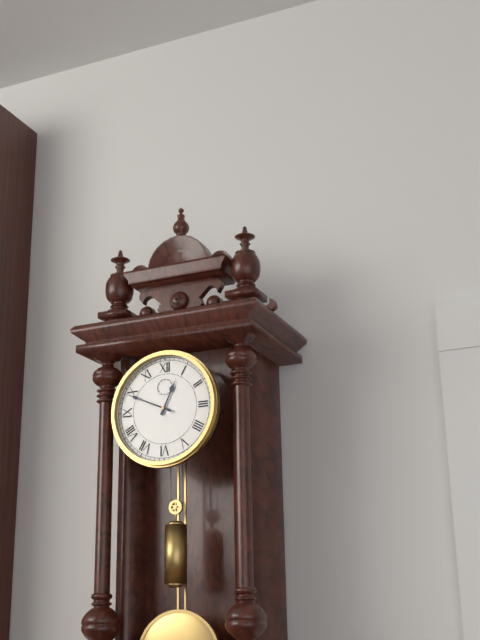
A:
12 h 49 min
